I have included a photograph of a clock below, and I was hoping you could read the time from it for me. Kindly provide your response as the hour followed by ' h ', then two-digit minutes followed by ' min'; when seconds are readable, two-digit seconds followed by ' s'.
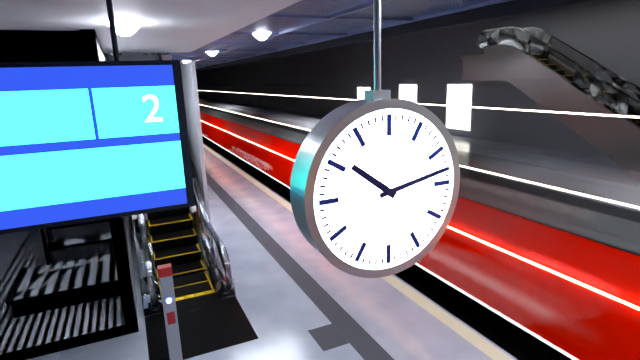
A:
10 h 13 min
